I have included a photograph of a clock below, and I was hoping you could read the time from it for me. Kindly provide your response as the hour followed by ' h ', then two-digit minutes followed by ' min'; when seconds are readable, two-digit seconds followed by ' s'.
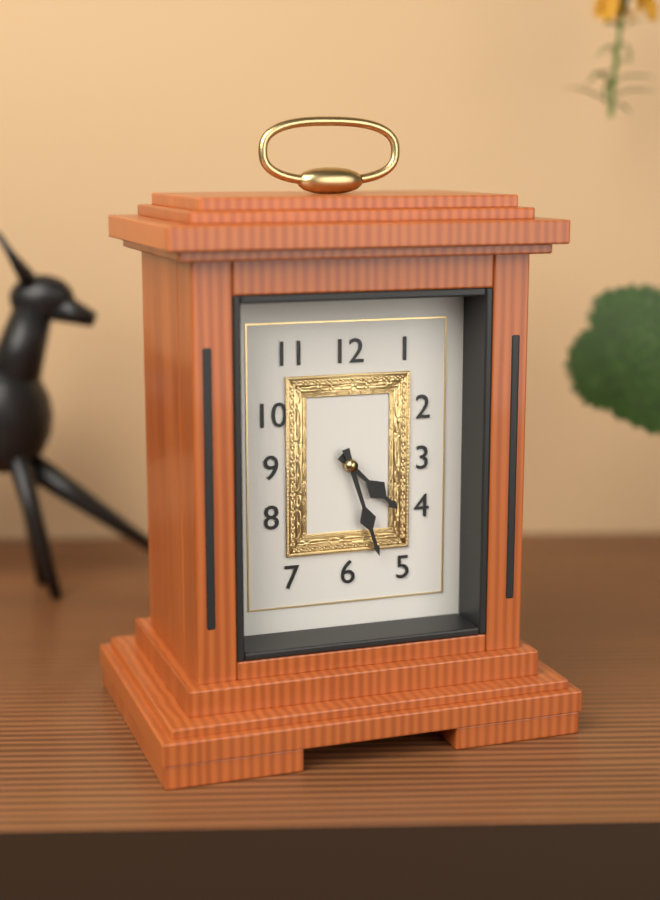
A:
4 h 27 min
